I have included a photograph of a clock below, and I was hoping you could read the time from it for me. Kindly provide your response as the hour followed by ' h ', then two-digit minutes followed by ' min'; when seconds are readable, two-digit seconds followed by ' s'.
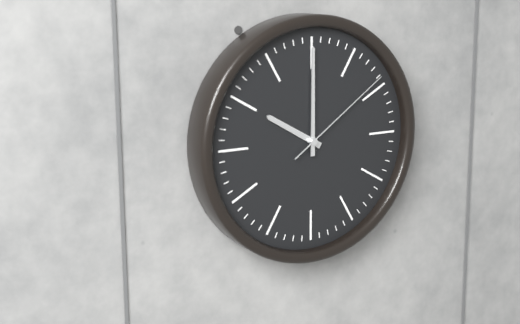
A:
10 h 00 min 09 s
